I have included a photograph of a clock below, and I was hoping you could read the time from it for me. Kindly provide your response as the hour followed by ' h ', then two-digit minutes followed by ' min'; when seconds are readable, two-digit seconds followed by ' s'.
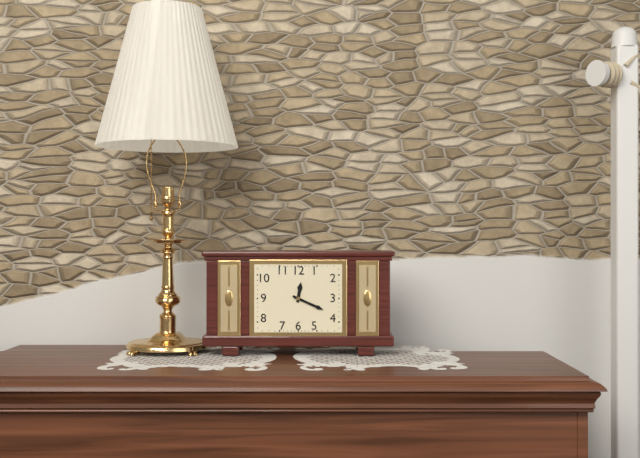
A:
12 h 19 min
